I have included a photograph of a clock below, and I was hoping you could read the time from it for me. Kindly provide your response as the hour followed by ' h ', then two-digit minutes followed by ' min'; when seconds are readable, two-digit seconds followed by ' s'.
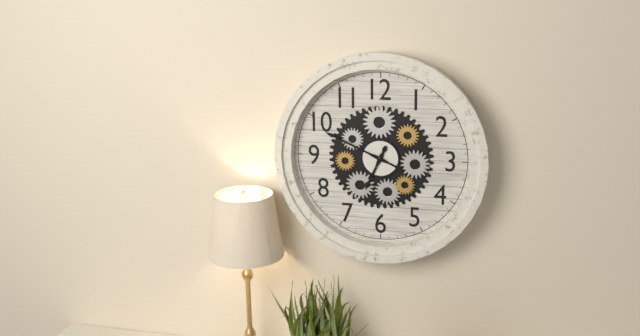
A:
6 h 49 min
